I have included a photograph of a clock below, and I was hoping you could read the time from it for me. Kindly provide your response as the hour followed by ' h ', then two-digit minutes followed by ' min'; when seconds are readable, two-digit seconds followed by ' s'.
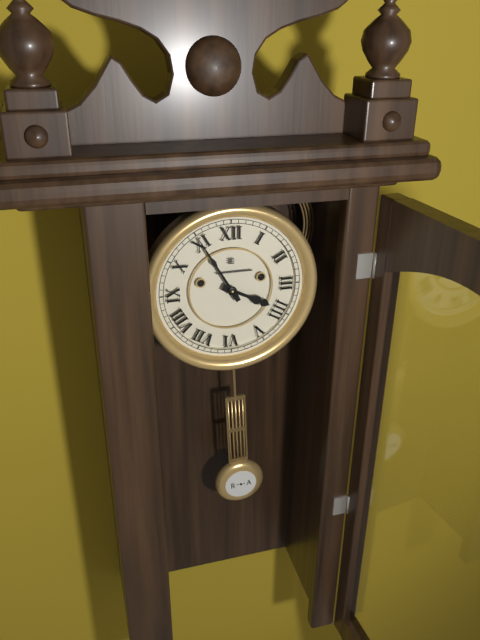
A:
3 h 55 min
